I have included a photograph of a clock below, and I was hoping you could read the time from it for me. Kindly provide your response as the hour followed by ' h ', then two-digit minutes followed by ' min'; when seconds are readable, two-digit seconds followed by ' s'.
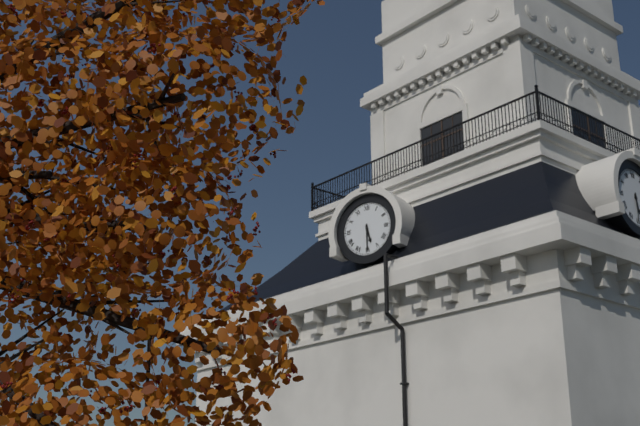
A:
5 h 30 min
